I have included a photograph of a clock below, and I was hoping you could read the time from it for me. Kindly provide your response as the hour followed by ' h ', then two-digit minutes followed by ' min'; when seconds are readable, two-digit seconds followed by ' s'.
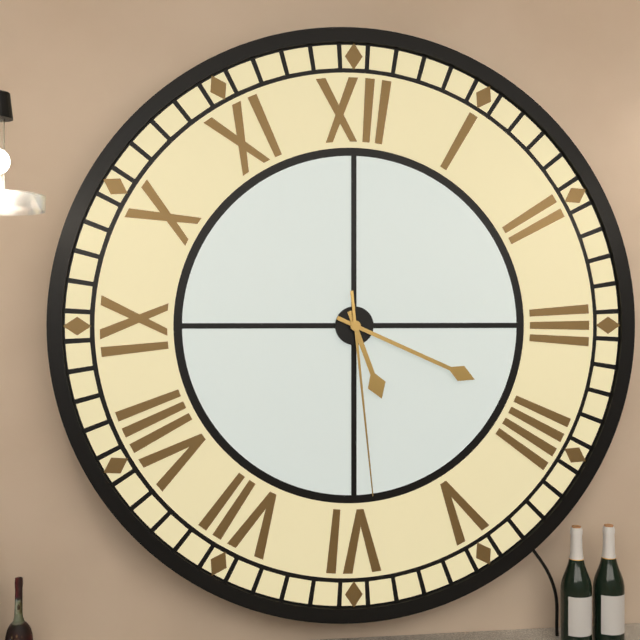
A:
5 h 19 min 29 s
